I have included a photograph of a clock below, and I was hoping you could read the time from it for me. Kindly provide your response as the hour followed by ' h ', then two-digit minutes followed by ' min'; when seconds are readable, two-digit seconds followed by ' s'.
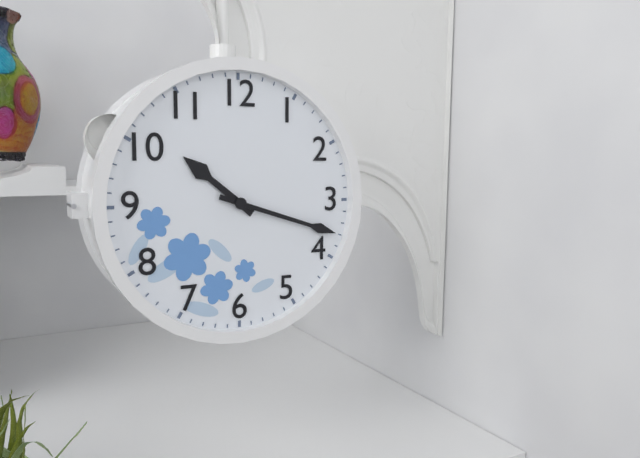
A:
10 h 18 min
